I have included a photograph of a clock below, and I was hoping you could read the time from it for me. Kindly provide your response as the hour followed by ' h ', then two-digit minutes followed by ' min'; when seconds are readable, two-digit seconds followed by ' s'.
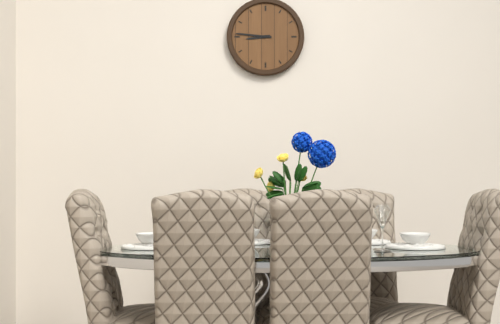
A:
8 h 46 min
